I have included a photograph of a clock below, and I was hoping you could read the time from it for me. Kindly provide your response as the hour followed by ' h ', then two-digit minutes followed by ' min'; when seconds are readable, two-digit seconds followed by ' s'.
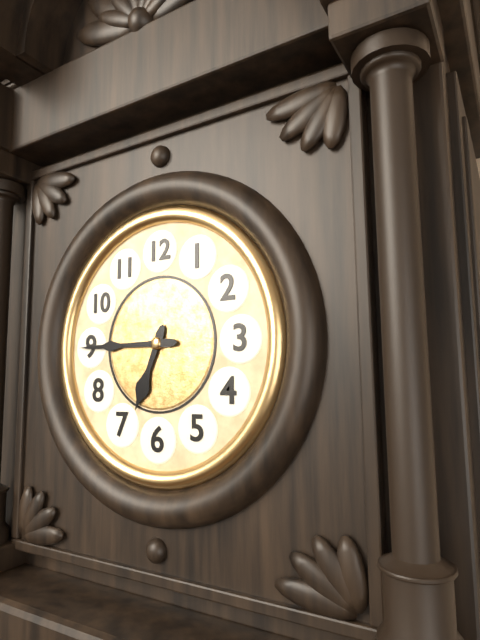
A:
6 h 45 min
